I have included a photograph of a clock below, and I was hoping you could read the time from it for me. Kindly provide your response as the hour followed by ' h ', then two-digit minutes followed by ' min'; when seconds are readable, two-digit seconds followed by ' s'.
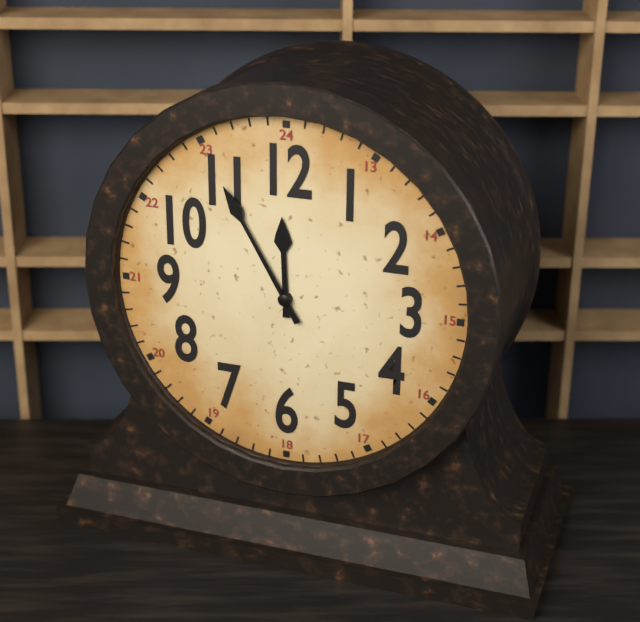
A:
11 h 55 min
